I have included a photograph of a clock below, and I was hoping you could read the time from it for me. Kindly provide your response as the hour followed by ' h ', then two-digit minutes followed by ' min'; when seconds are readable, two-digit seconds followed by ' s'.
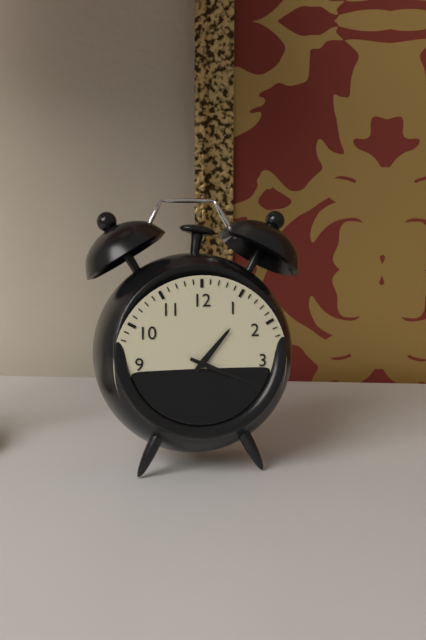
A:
1 h 19 min
